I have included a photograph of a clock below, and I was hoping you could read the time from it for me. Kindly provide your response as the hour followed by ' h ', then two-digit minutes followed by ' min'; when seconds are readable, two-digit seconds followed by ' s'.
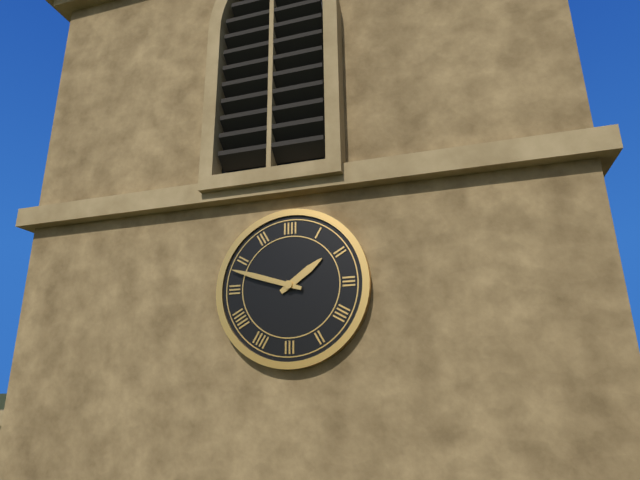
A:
1 h 48 min
